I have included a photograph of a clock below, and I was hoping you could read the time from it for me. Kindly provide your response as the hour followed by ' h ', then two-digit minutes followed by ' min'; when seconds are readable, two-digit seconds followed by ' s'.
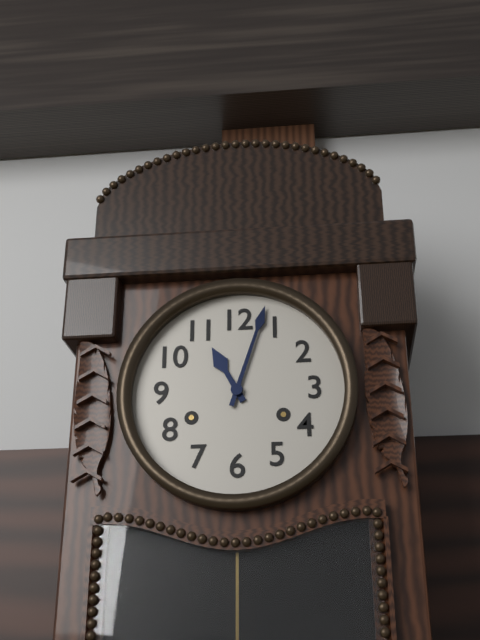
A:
11 h 03 min
